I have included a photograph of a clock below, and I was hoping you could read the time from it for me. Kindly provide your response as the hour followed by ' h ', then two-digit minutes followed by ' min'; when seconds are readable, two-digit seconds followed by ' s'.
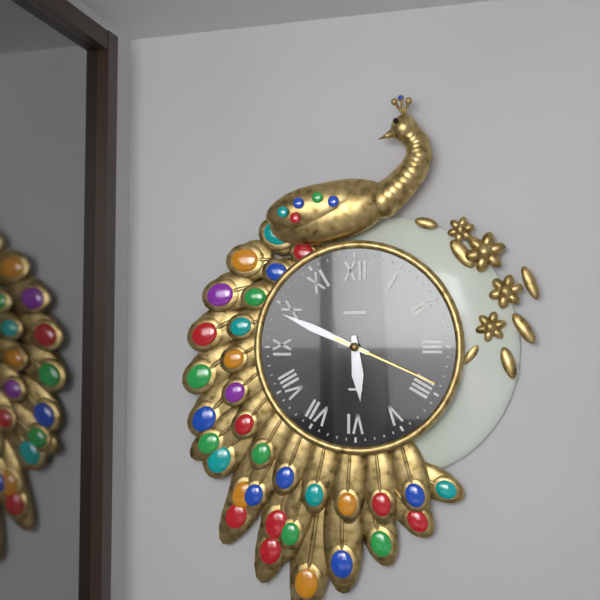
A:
5 h 49 min 19 s
